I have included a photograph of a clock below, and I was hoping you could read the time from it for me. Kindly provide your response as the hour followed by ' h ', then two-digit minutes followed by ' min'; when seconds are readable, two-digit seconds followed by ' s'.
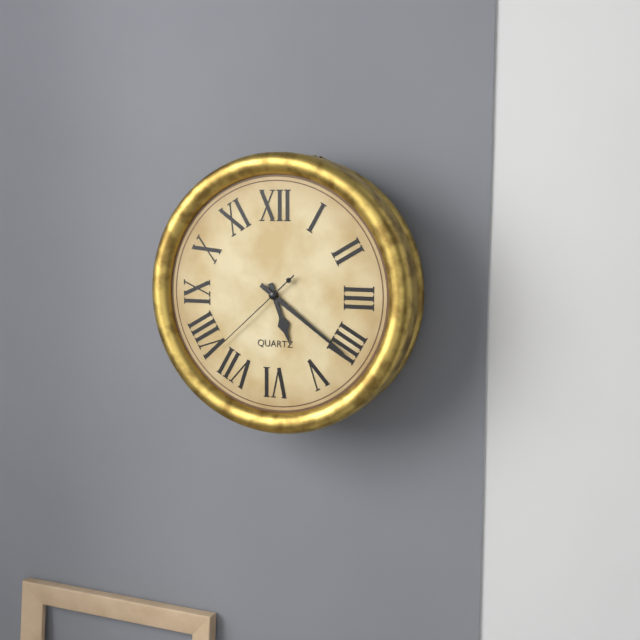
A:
5 h 21 min 38 s
